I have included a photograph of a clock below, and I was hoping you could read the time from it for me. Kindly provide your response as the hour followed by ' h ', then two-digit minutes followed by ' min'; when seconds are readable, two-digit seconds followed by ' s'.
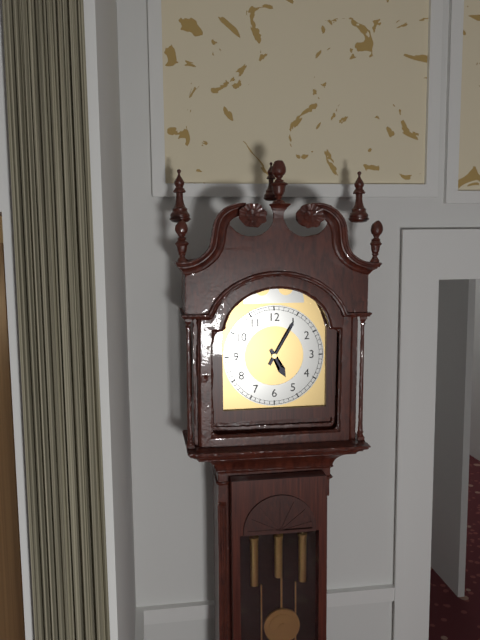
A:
5 h 05 min
